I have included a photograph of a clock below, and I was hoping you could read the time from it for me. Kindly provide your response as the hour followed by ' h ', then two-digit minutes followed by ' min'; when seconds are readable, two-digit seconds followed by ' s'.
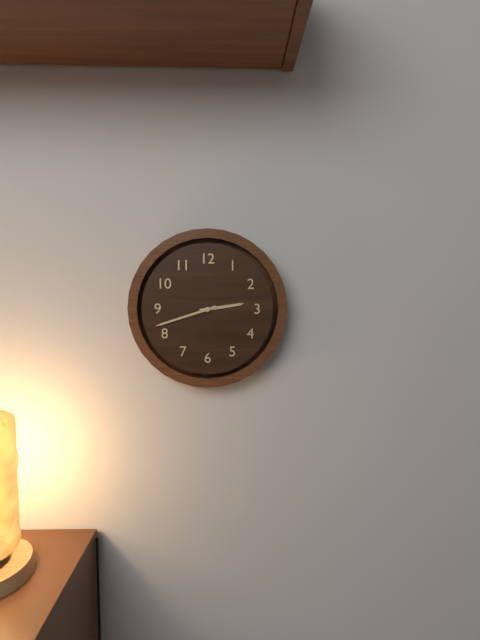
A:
2 h 42 min
